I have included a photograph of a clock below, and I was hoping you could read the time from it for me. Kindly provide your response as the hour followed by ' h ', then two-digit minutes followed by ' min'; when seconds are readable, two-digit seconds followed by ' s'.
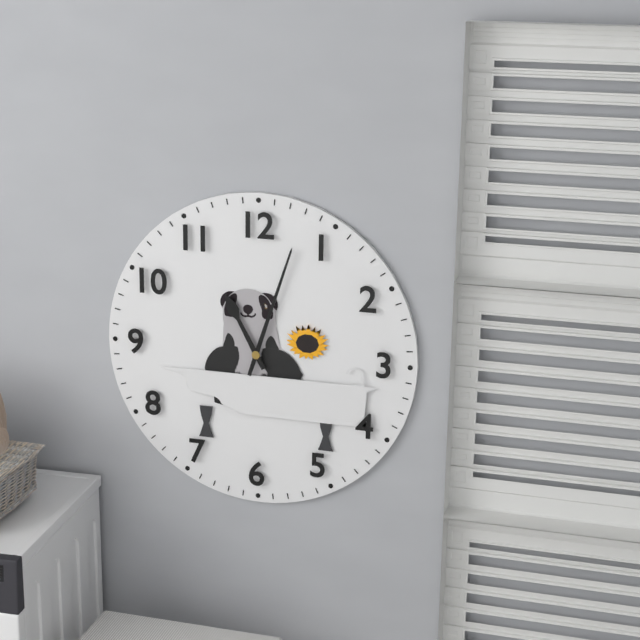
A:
11 h 03 min
